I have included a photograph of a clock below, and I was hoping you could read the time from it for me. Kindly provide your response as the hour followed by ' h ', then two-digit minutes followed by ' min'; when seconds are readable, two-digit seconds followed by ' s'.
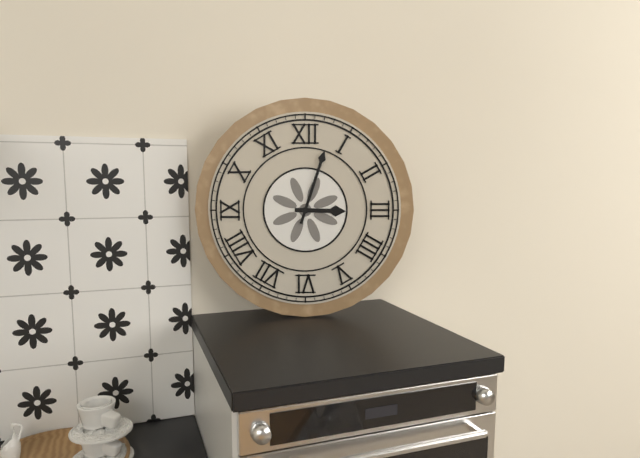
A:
3 h 03 min
